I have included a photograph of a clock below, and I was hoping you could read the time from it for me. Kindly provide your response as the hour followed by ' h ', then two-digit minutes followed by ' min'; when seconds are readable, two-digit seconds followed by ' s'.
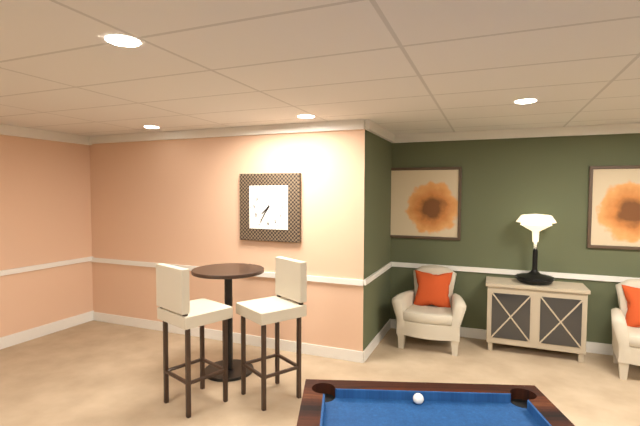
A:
7 h 35 min
